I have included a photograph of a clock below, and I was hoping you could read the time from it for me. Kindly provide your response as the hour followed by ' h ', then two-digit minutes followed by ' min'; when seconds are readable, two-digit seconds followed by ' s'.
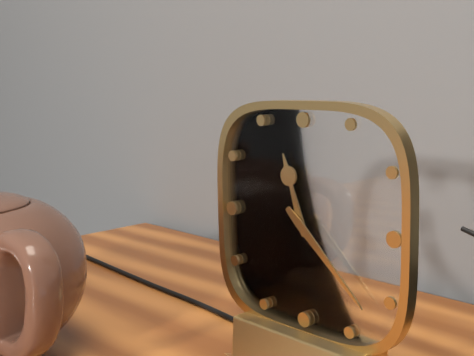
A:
11 h 22 min
